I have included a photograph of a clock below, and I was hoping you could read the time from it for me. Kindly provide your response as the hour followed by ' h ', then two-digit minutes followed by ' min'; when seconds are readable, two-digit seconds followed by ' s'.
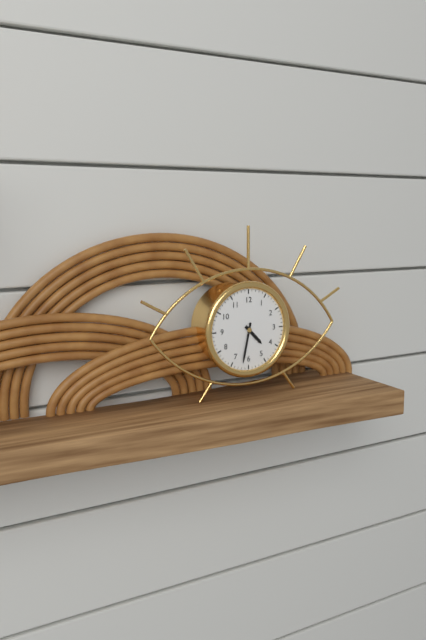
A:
4 h 32 min
